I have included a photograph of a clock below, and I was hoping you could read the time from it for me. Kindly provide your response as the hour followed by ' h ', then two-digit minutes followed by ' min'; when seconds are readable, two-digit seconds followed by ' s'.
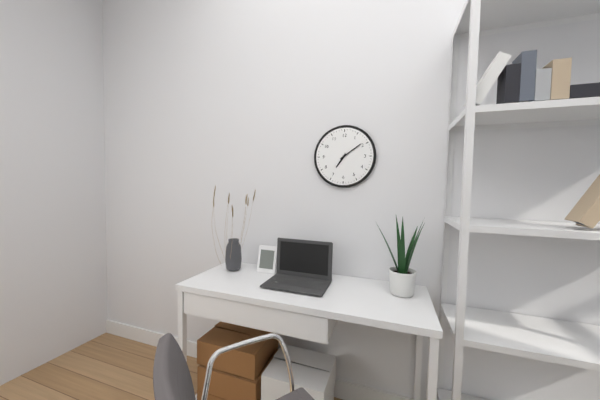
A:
7 h 09 min
